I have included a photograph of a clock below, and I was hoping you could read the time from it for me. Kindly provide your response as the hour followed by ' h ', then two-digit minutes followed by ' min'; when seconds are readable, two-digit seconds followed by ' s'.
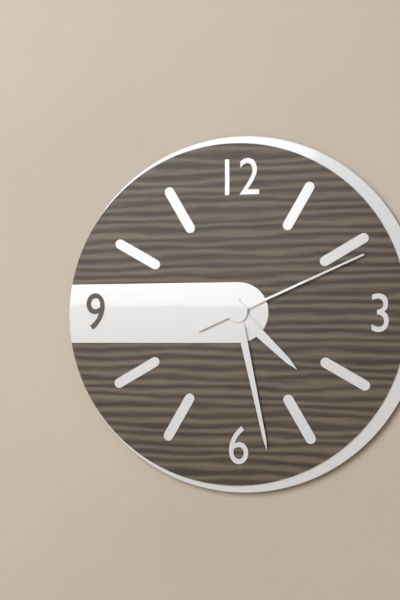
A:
4 h 28 min 11 s
